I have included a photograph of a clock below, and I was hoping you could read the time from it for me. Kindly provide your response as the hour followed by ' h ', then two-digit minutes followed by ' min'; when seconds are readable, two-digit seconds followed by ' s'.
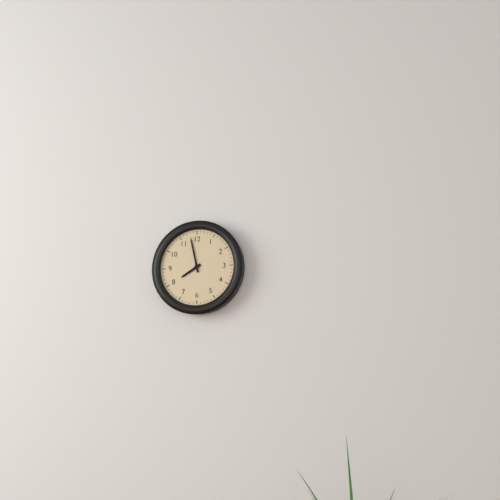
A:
7 h 58 min
